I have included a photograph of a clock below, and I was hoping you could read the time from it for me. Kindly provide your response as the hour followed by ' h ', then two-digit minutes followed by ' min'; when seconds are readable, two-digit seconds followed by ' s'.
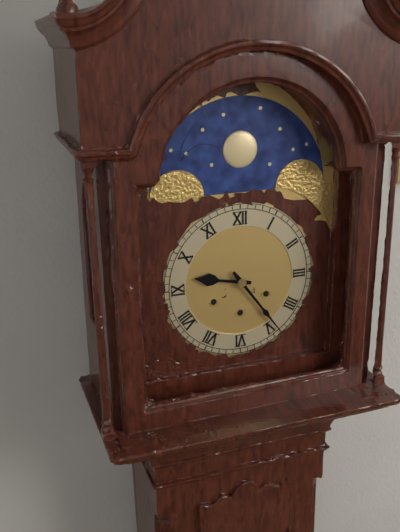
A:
9 h 24 min
